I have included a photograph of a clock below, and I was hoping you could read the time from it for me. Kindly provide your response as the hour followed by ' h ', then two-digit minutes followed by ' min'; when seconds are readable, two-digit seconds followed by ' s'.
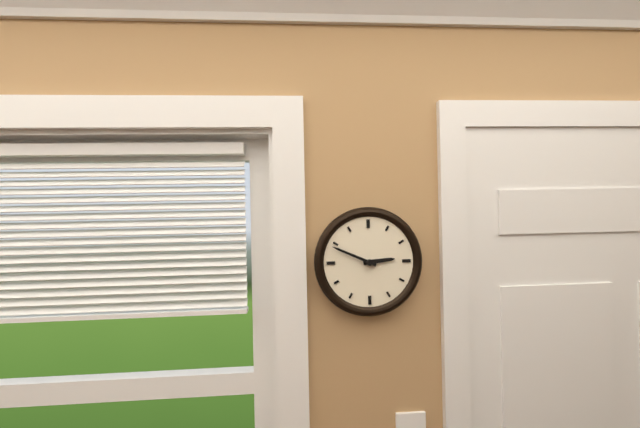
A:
2 h 49 min
